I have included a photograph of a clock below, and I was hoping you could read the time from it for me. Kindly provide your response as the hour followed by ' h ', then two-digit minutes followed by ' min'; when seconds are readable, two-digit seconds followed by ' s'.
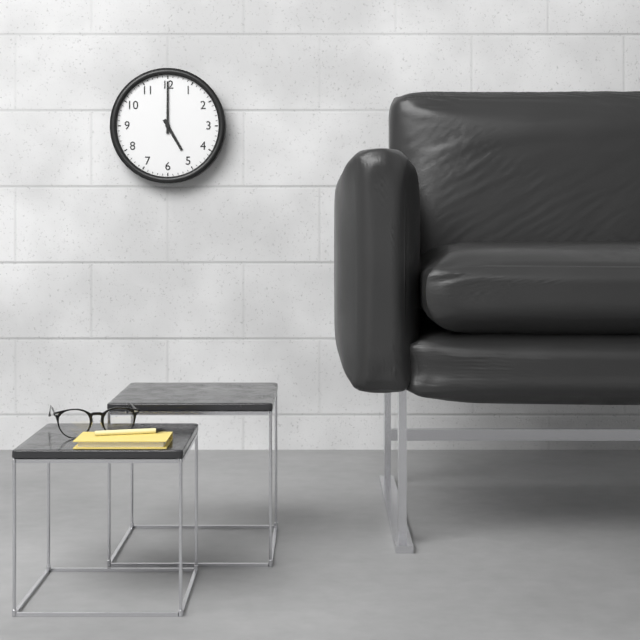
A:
5 h 00 min
